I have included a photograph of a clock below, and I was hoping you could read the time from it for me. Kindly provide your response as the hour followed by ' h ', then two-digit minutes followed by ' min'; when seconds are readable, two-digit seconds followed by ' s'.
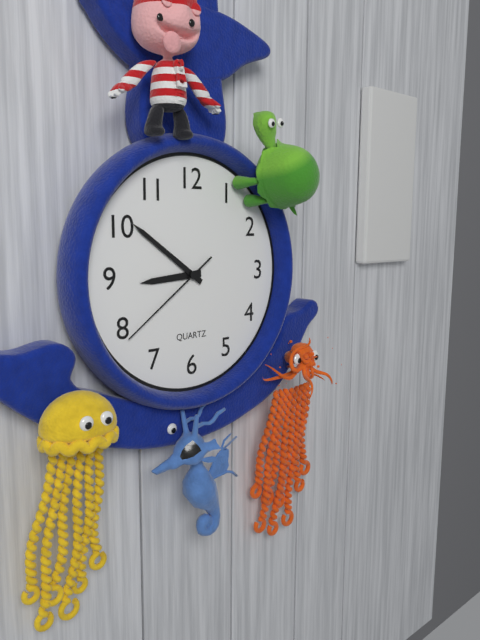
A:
8 h 51 min 39 s
